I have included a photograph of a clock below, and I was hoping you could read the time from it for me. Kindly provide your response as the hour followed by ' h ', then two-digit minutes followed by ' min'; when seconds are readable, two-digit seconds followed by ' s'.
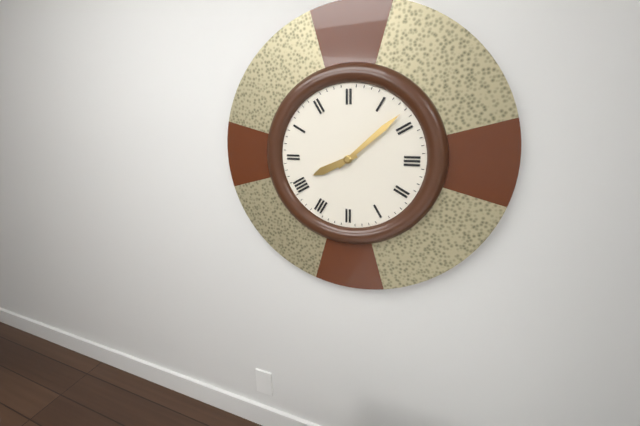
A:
8 h 08 min
